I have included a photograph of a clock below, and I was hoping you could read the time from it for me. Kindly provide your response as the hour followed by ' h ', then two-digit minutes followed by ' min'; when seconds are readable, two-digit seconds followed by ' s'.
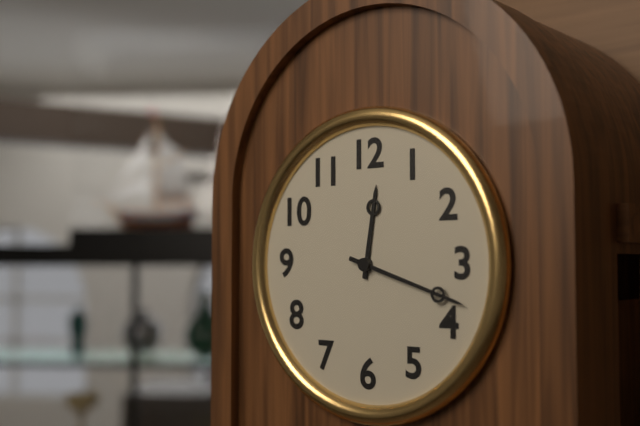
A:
12 h 18 min
